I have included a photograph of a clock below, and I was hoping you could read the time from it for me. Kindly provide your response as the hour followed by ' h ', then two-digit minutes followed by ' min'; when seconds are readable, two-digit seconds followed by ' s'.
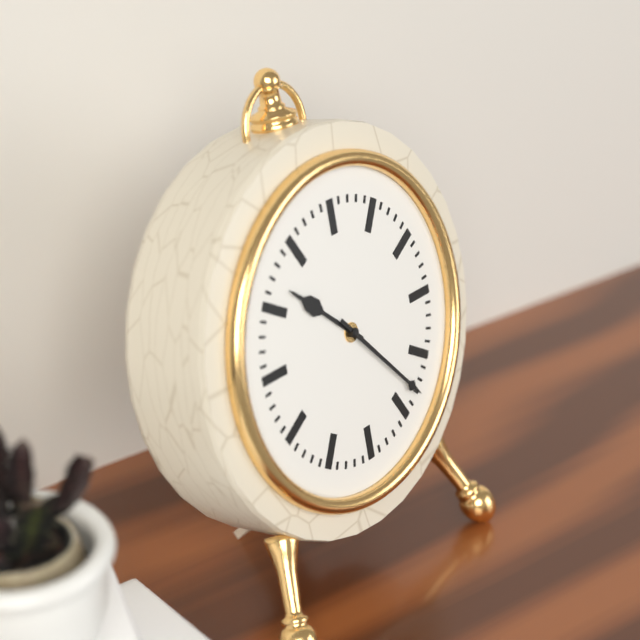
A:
10 h 23 min
